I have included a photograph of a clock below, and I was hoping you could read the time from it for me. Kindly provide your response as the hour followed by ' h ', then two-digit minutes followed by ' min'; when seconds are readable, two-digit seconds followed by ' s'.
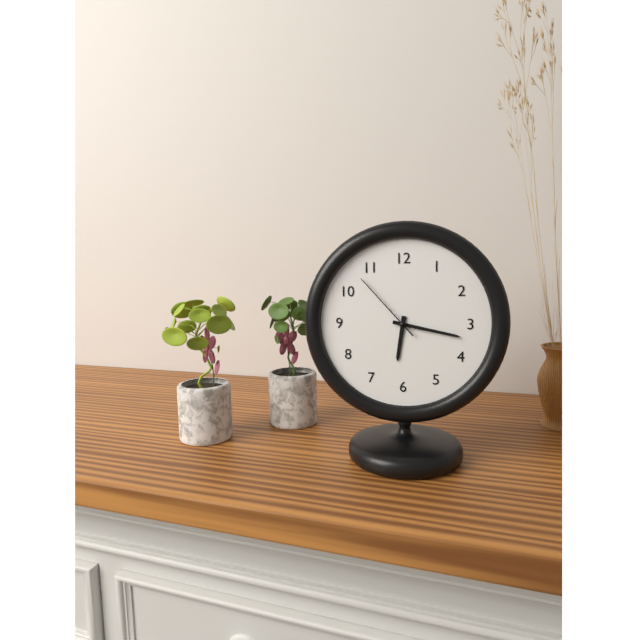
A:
6 h 17 min 53 s
